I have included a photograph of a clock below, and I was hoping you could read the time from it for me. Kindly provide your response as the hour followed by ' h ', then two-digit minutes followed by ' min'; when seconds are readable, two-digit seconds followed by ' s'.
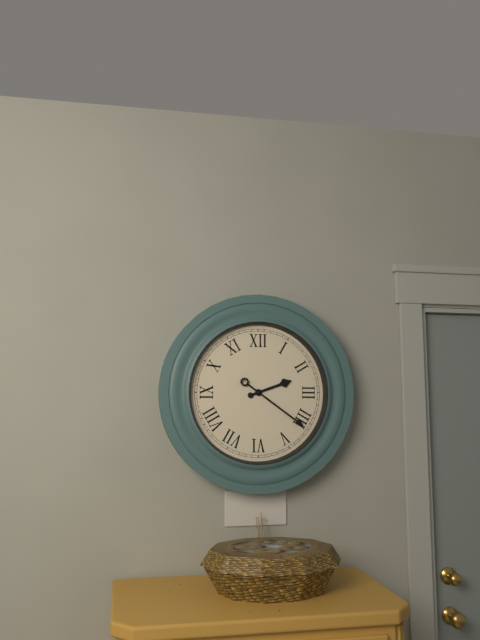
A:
2 h 21 min
